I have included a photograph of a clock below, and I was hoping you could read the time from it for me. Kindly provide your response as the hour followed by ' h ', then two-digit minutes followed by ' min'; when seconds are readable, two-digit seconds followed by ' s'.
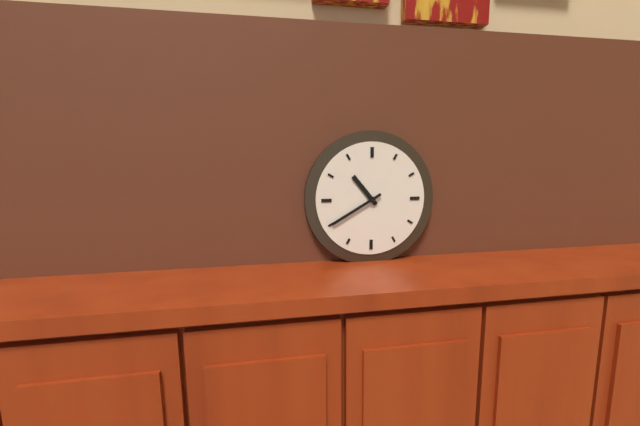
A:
10 h 40 min
